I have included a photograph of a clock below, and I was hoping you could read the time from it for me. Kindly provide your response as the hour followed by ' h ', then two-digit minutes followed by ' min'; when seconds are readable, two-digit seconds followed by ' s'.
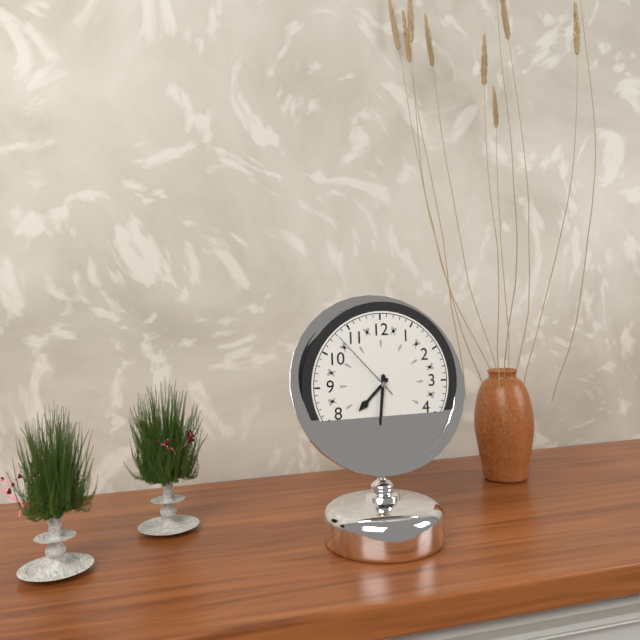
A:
7 h 31 min 53 s
